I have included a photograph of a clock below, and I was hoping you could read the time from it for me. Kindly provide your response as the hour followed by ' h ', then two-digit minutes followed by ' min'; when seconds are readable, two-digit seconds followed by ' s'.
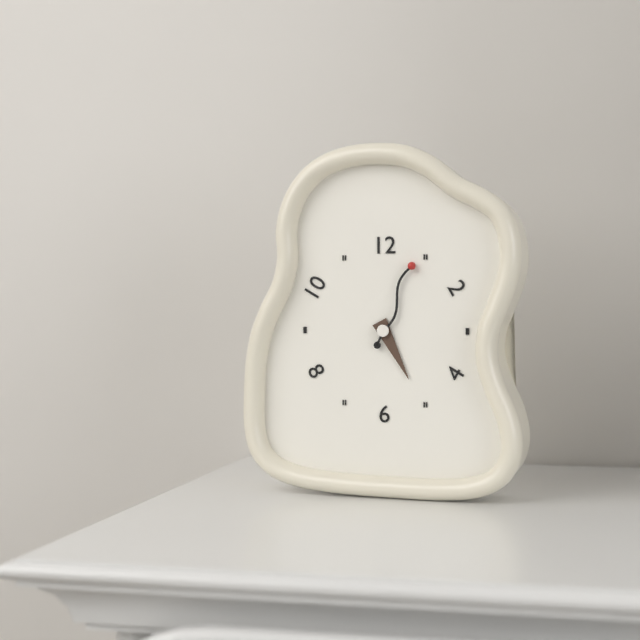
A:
5 h 04 min
